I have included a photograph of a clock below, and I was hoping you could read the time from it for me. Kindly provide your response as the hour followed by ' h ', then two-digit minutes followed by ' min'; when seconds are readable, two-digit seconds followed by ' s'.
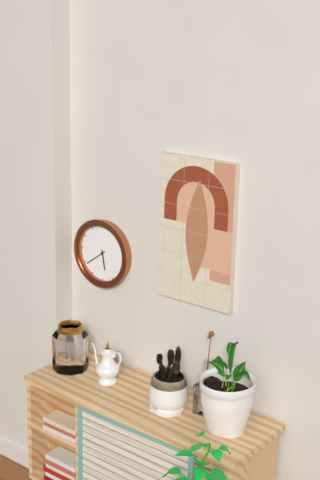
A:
5 h 39 min
